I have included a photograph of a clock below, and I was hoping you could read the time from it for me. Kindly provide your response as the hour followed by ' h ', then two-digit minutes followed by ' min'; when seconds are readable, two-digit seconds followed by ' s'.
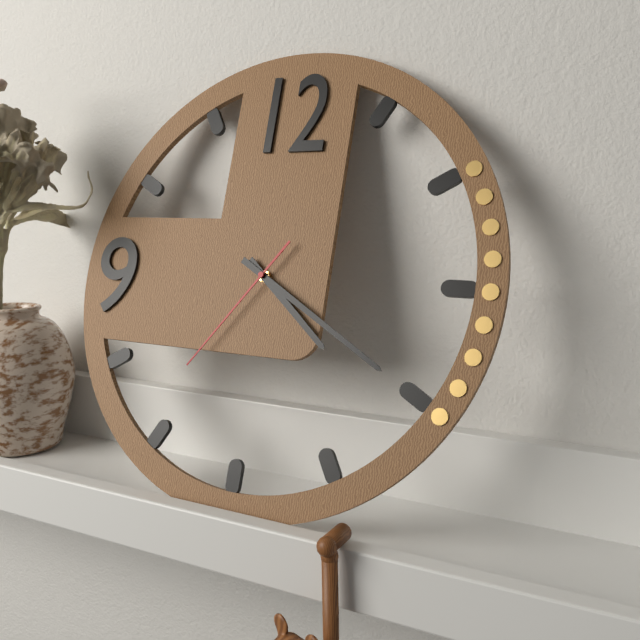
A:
4 h 20 min 36 s
